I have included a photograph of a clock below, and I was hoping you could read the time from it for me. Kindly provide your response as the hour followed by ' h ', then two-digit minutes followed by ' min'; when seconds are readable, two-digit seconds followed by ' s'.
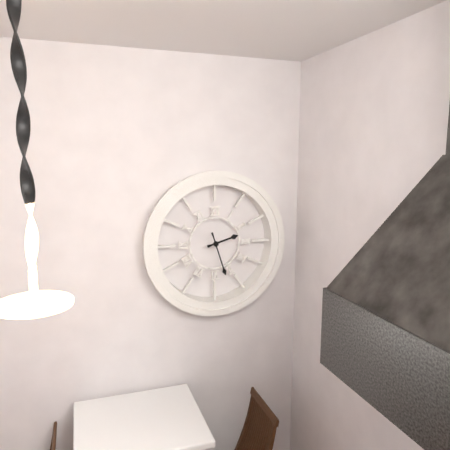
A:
2 h 27 min
